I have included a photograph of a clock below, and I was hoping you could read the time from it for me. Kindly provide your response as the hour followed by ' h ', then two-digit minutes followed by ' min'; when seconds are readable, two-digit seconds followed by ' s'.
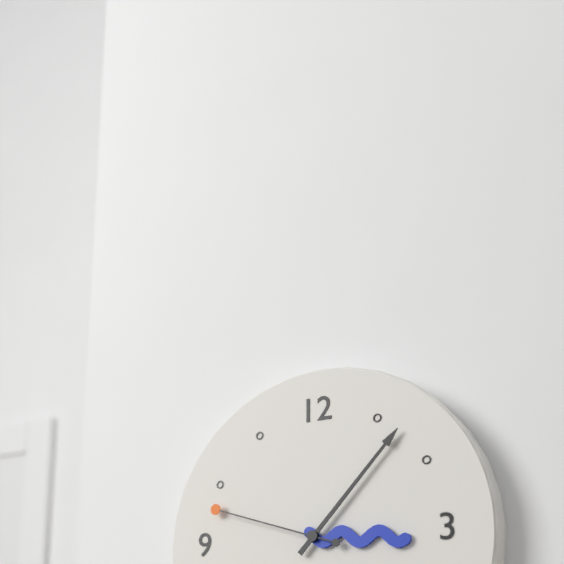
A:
3 h 07 min 48 s
